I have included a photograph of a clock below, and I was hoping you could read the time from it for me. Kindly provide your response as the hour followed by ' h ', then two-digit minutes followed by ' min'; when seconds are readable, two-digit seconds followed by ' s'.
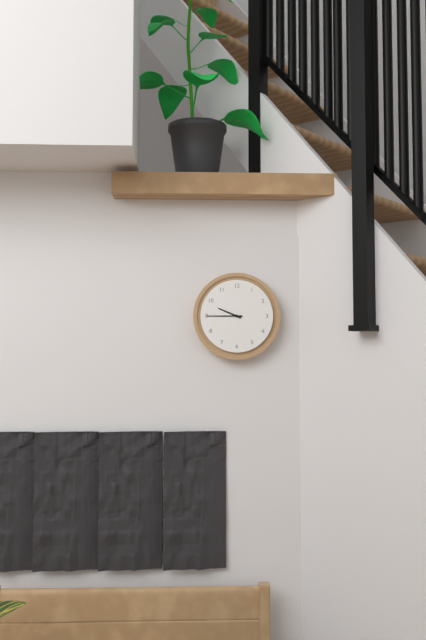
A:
9 h 45 min
